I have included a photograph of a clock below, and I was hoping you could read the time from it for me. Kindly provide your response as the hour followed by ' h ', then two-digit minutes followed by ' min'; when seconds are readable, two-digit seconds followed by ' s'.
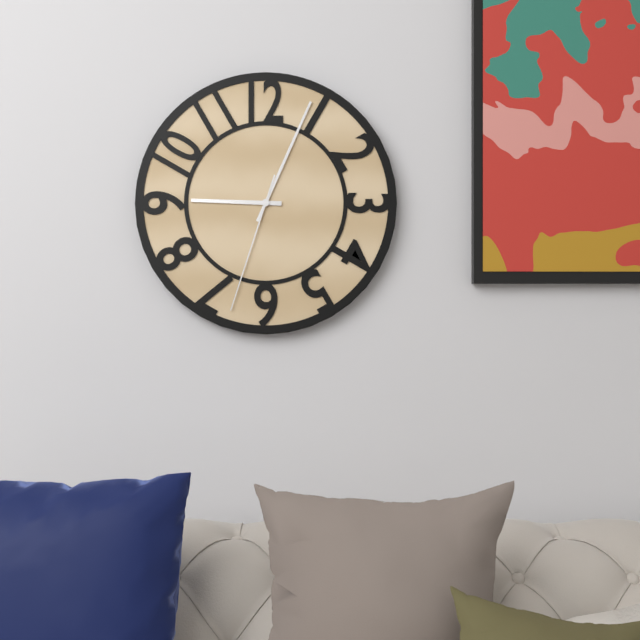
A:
9 h 04 min 33 s
